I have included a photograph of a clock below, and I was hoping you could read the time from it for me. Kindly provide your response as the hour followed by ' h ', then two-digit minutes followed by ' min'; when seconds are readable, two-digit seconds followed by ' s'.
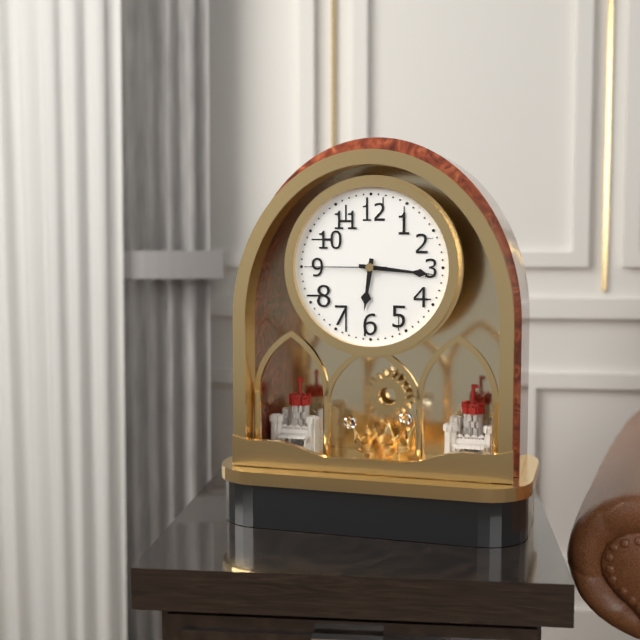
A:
6 h 16 min 45 s
